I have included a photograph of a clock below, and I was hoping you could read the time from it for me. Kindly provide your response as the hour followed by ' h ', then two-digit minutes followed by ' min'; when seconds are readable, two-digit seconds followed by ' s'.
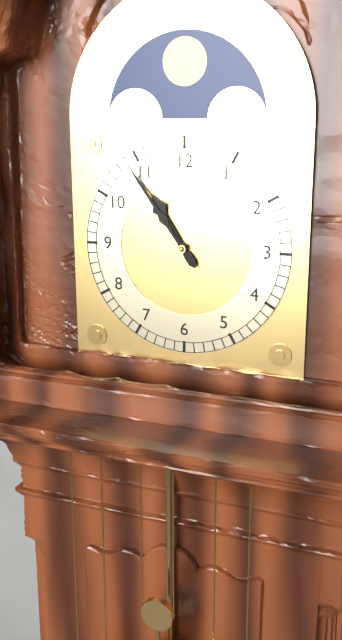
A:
10 h 54 min
